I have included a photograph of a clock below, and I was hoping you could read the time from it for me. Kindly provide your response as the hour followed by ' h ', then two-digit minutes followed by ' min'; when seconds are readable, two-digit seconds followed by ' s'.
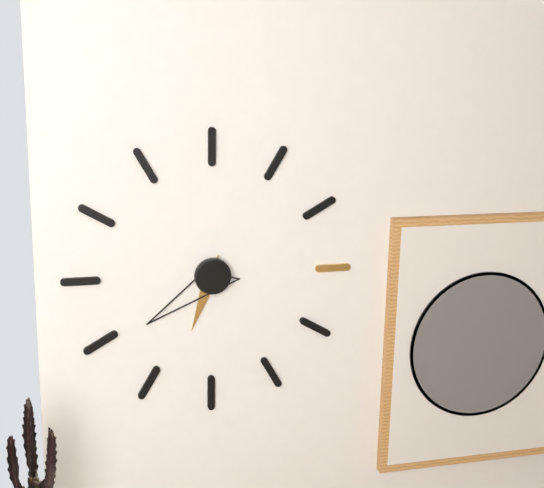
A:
6 h 39 min
